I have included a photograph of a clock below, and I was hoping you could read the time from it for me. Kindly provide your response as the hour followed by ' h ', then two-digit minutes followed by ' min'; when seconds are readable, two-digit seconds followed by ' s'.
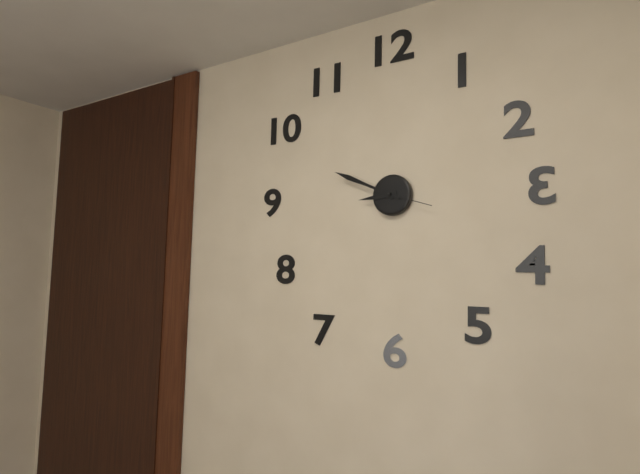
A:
8 h 49 min
